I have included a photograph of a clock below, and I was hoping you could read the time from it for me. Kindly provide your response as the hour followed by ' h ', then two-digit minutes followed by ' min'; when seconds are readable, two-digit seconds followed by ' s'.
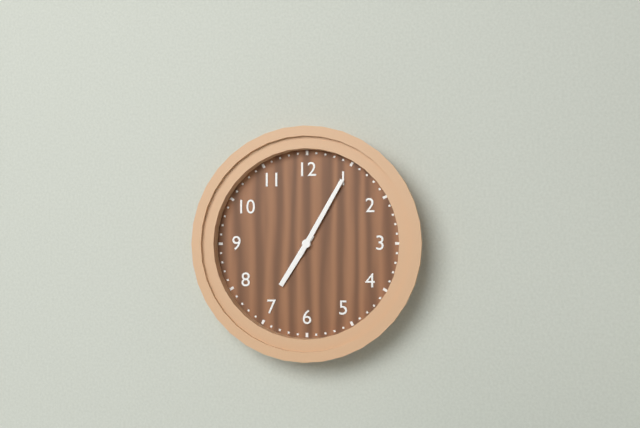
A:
7 h 05 min
